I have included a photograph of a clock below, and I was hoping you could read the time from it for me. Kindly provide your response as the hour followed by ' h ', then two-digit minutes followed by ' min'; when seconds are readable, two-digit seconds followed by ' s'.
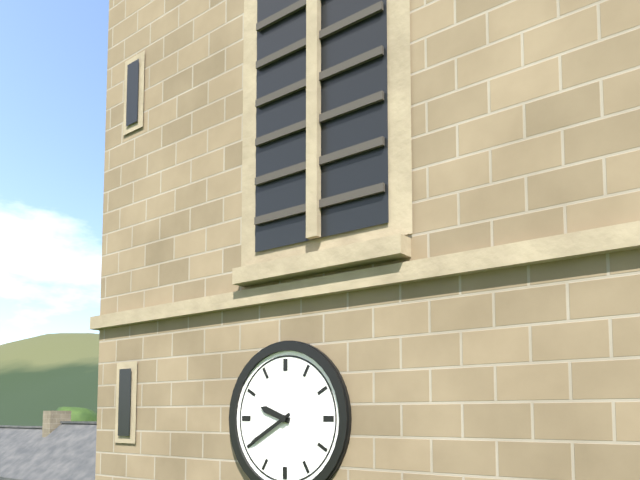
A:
9 h 40 min
